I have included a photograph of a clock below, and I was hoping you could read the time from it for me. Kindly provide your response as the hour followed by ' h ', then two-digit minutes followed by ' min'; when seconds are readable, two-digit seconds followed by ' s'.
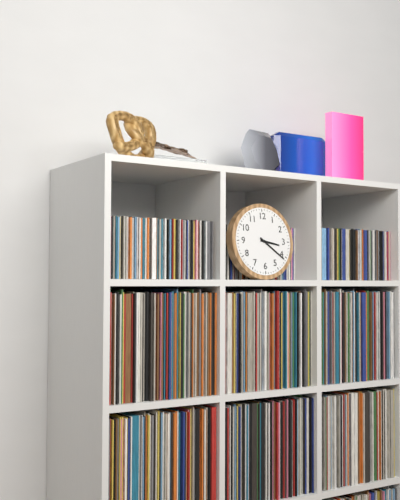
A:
3 h 21 min
